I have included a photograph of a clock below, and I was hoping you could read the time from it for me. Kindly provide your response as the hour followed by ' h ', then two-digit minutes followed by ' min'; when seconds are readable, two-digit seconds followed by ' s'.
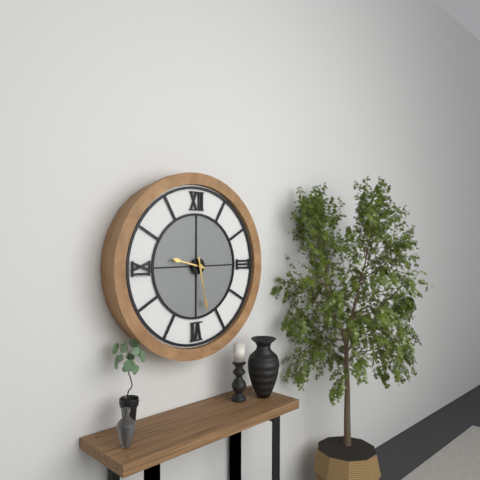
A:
9 h 28 min
